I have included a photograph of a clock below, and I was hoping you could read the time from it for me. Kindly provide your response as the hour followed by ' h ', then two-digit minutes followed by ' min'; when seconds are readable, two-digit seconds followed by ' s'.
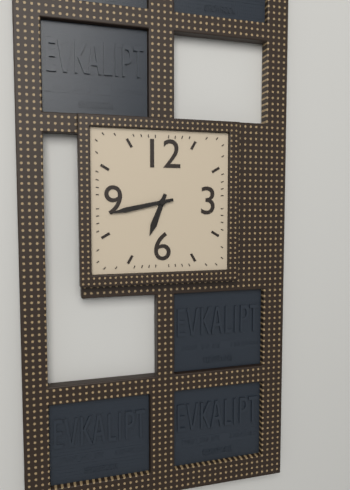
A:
6 h 43 min
